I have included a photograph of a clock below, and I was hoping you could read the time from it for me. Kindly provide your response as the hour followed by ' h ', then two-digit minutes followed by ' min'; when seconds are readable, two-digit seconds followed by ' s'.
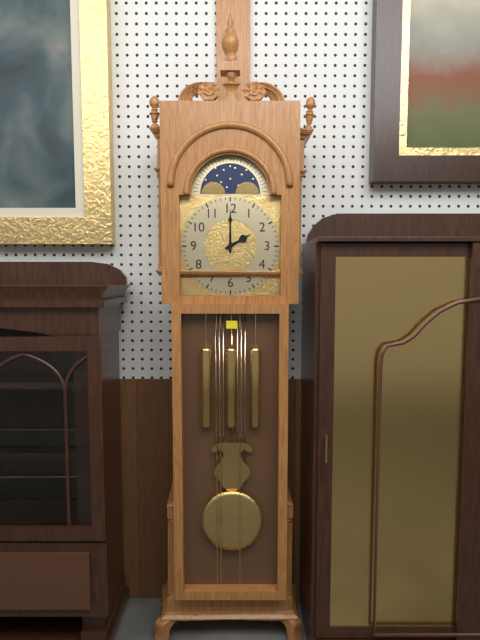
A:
2 h 00 min
